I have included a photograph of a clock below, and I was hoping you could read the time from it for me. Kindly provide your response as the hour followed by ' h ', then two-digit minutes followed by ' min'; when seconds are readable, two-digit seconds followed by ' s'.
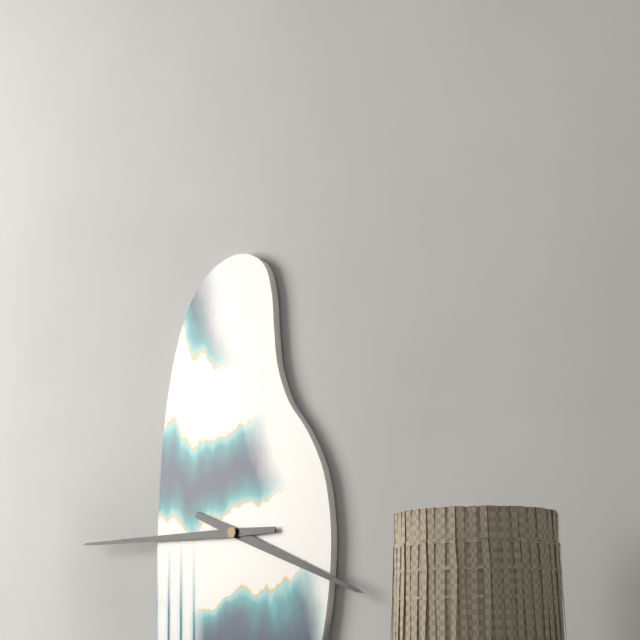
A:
3 h 45 min
